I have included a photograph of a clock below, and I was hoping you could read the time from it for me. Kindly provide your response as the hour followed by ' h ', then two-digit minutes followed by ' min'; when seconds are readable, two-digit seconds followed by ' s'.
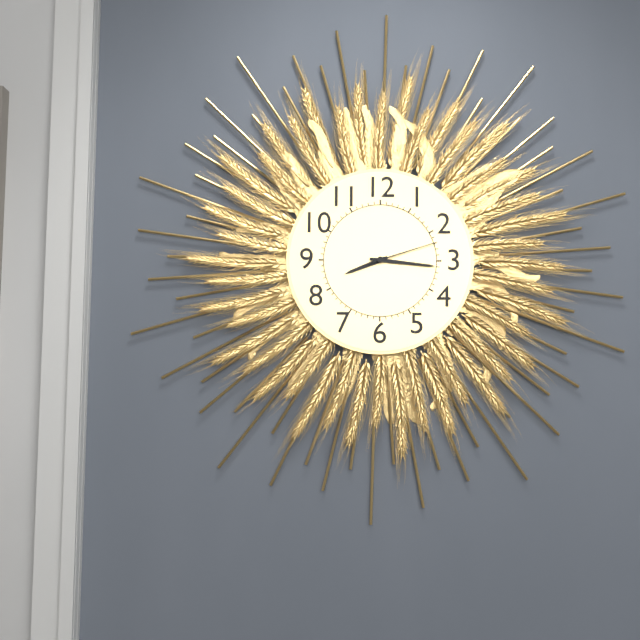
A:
8 h 16 min 12 s
